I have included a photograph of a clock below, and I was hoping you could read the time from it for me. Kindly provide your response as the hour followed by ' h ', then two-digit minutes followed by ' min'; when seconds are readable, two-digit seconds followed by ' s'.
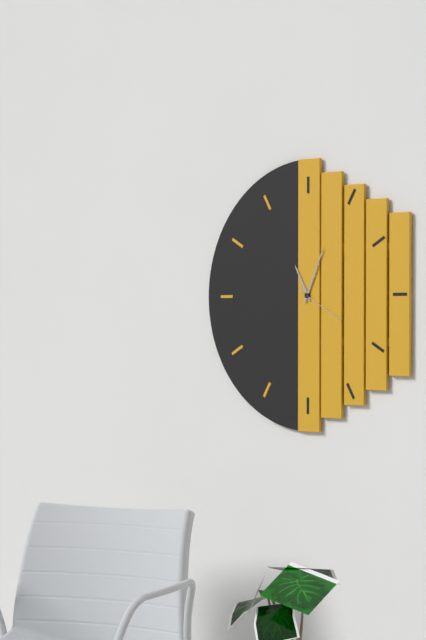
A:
11 h 04 min 20 s
